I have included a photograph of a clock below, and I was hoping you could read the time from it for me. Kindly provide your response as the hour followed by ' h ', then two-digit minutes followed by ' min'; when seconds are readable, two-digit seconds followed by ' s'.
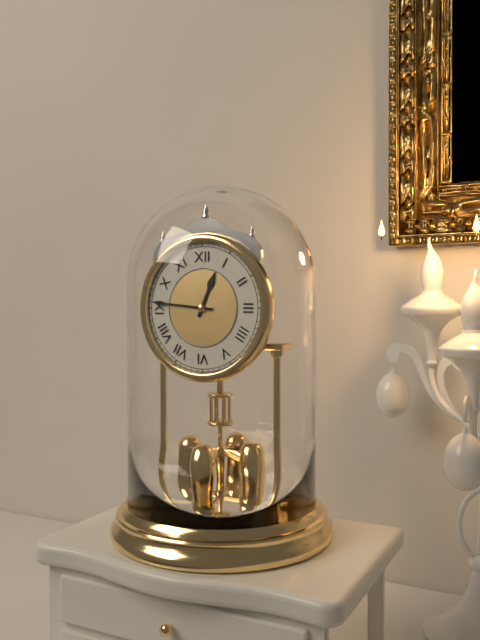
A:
12 h 46 min
